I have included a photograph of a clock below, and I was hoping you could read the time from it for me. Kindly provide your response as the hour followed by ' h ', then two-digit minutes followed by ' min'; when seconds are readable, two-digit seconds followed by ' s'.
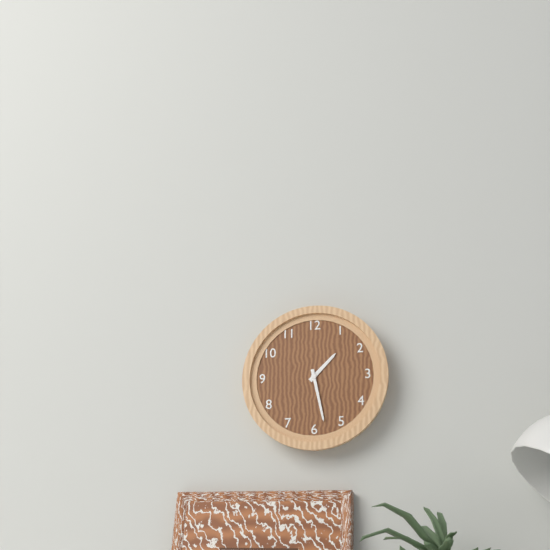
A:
1 h 28 min
